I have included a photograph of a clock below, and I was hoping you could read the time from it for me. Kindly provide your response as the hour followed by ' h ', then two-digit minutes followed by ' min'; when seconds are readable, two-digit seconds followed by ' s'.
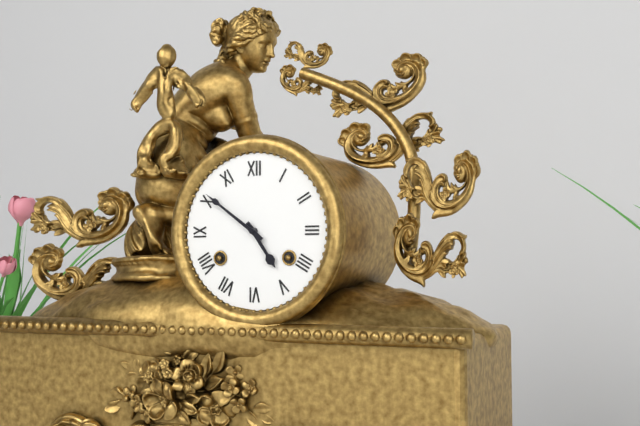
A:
4 h 51 min
